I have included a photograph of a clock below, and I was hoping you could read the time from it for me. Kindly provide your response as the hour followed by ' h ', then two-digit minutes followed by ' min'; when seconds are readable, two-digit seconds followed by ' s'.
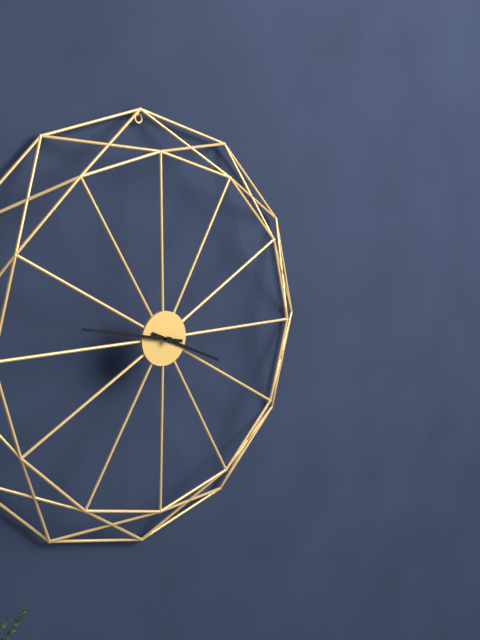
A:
3 h 47 min
